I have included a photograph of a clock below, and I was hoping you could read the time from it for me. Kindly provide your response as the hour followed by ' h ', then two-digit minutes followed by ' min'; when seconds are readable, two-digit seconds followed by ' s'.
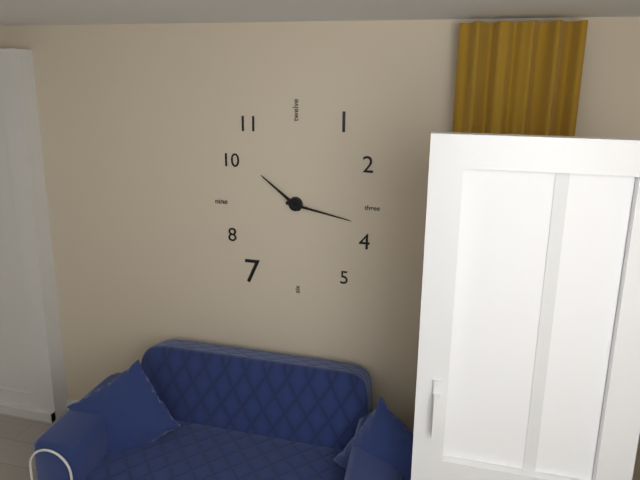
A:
10 h 17 min
